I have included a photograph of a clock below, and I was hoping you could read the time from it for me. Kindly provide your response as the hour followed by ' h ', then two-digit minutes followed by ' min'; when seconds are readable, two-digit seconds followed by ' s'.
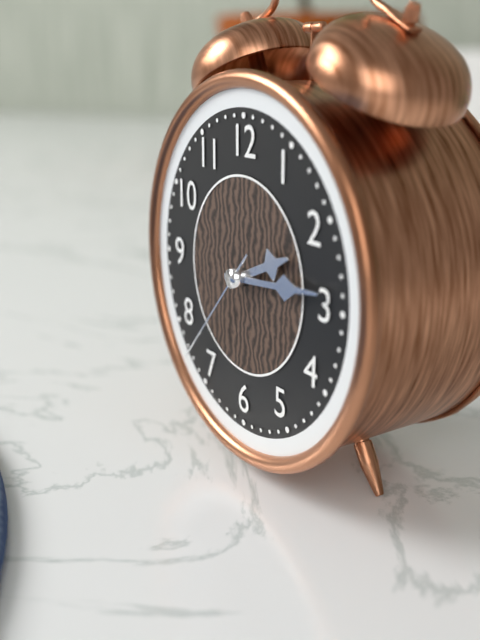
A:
2 h 14 min 37 s
